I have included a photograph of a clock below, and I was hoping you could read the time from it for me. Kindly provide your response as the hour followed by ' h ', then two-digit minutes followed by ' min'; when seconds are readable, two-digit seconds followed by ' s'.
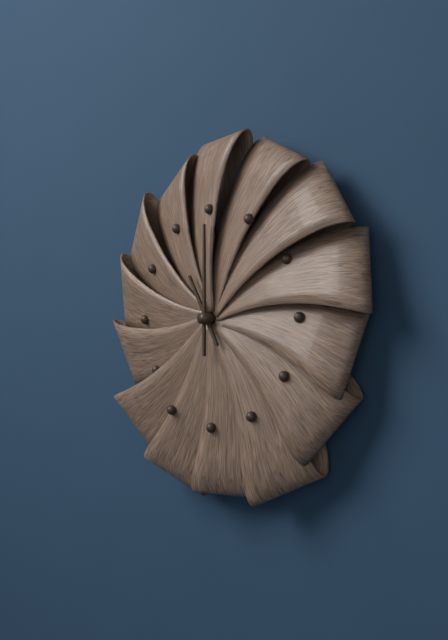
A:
11 h 00 min
